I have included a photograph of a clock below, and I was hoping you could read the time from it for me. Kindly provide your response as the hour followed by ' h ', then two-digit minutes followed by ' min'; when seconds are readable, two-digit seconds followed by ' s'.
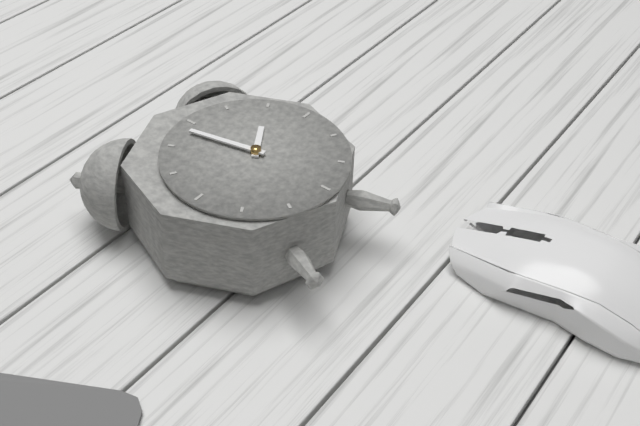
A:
1 h 58 min
